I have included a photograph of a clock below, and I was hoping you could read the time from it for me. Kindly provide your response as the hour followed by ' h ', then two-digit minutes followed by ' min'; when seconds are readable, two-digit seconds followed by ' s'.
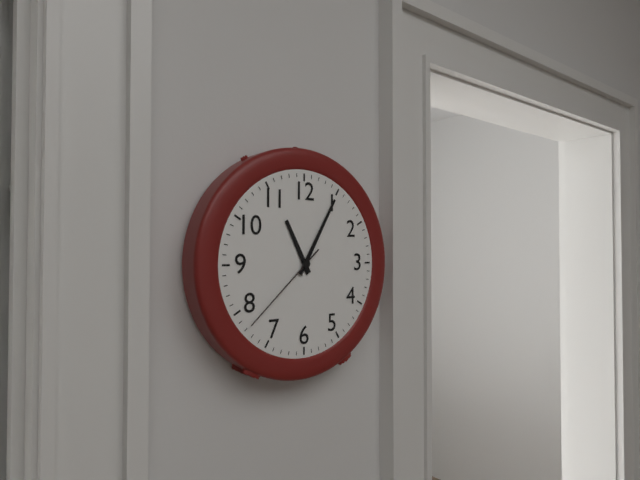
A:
11 h 05 min 38 s
